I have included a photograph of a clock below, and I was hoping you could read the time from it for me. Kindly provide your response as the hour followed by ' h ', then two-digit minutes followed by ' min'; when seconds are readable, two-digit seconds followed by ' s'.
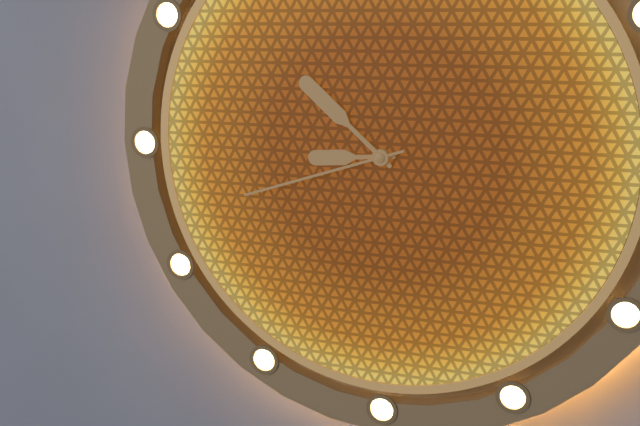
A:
8 h 52 min 42 s
